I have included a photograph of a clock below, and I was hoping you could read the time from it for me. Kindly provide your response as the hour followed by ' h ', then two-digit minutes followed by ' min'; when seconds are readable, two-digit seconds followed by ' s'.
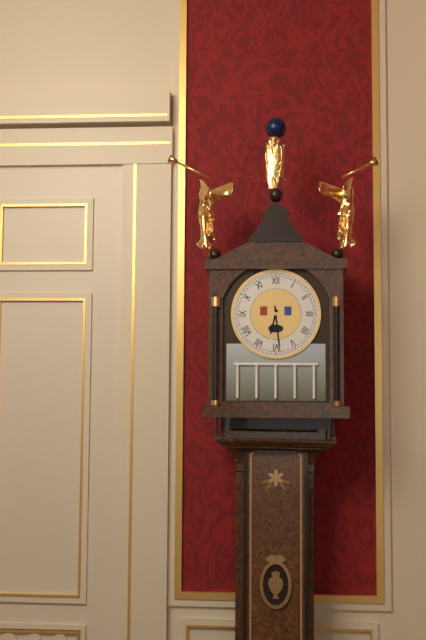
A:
6 h 29 min
